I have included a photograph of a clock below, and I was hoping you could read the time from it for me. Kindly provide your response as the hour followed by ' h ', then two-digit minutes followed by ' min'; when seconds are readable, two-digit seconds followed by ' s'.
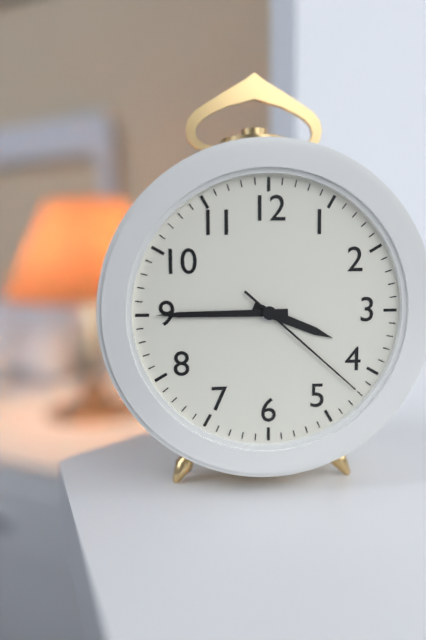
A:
3 h 45 min 22 s
